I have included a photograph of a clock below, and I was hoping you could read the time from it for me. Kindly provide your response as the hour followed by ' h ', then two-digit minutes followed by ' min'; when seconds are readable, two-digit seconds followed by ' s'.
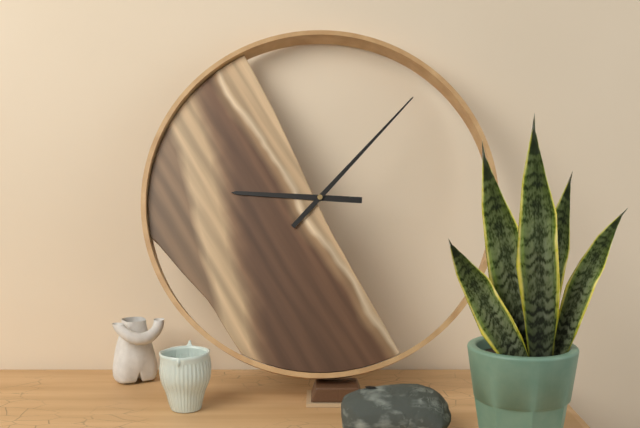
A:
9 h 07 min
